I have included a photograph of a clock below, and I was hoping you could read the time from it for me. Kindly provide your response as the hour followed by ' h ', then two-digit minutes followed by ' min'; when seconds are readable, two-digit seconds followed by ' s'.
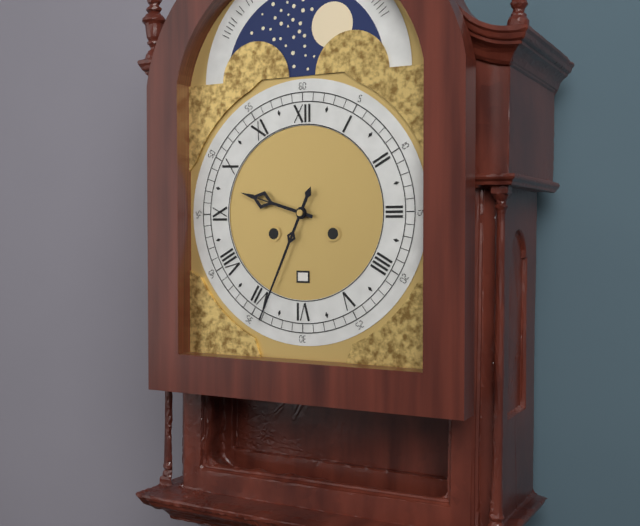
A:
9 h 34 min
